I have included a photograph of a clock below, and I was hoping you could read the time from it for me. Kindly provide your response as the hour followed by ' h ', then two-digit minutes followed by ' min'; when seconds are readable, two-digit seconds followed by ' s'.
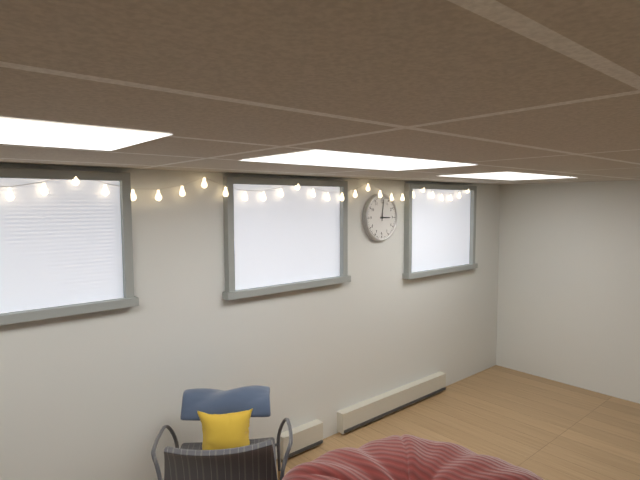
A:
3 h 01 min
